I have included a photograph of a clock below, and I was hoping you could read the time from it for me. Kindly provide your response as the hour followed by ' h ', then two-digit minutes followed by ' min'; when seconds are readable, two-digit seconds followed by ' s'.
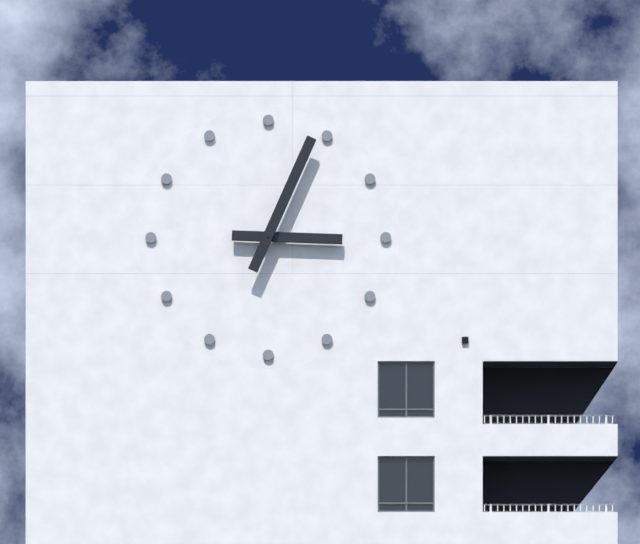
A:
3 h 04 min
